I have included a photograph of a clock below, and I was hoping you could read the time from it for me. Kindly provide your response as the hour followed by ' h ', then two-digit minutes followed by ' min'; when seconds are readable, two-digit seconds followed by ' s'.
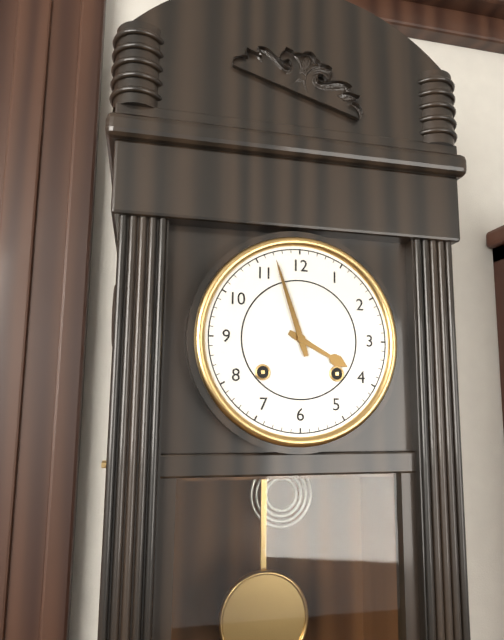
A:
3 h 57 min
